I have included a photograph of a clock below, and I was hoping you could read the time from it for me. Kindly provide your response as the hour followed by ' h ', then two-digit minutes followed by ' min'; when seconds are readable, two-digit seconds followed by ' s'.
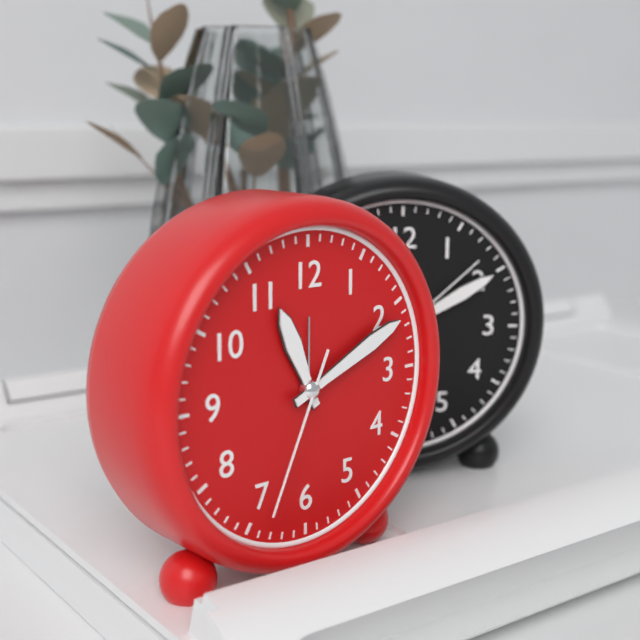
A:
11 h 11 min 34 s
